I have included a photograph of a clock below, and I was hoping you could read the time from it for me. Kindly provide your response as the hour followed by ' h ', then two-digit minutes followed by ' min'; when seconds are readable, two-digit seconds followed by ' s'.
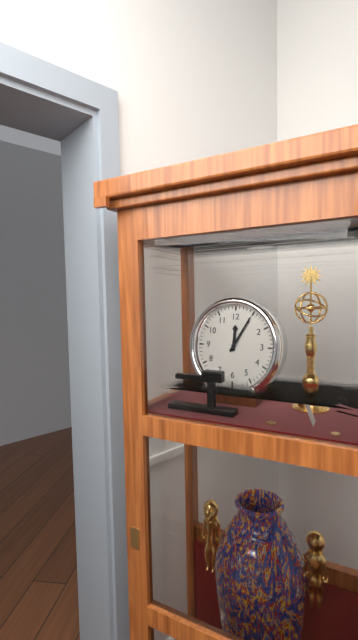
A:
12 h 05 min
